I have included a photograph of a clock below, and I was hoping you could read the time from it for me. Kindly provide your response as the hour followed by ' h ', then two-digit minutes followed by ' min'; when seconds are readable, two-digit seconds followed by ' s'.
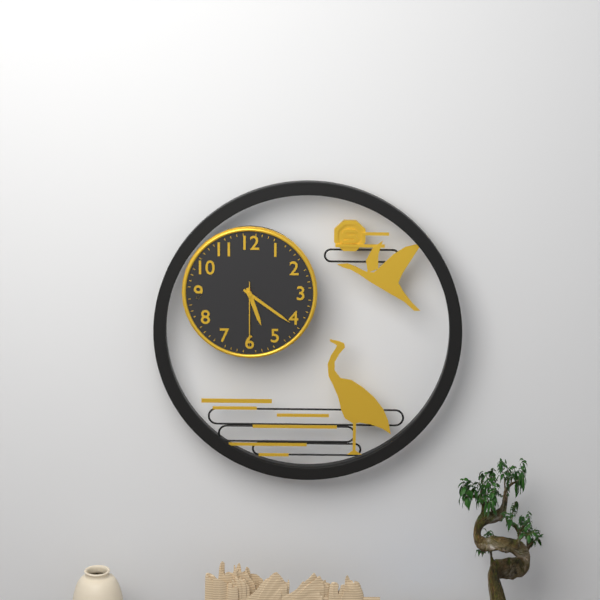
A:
5 h 21 min 30 s
